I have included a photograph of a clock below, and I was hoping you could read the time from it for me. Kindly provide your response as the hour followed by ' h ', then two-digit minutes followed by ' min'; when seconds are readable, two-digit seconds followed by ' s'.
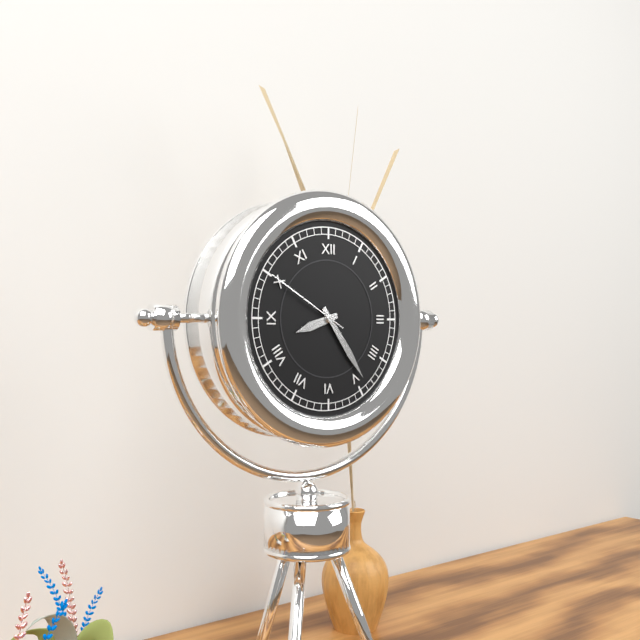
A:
8 h 24 min 50 s
